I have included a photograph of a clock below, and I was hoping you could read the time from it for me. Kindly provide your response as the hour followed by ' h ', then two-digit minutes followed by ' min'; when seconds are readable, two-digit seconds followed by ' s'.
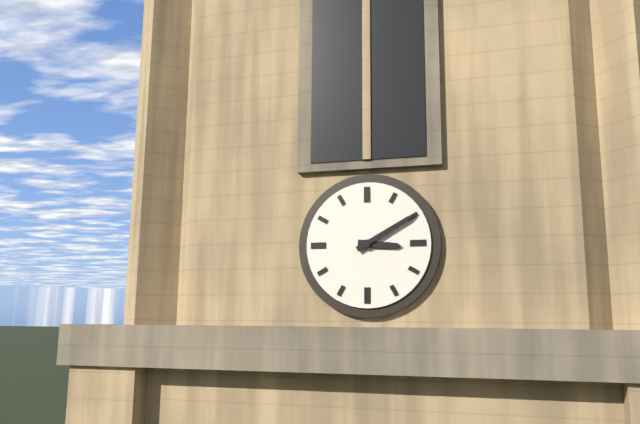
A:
3 h 10 min
